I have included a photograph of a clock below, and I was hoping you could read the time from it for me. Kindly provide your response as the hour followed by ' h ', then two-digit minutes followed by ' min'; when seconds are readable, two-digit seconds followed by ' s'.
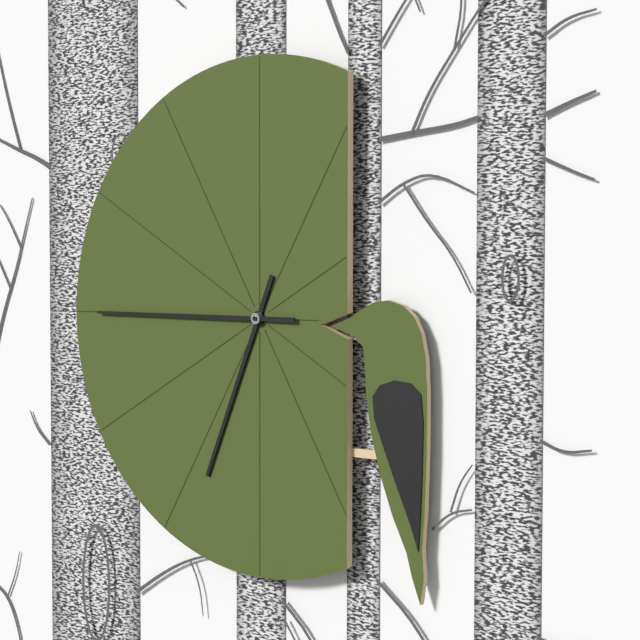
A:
6 h 45 min
